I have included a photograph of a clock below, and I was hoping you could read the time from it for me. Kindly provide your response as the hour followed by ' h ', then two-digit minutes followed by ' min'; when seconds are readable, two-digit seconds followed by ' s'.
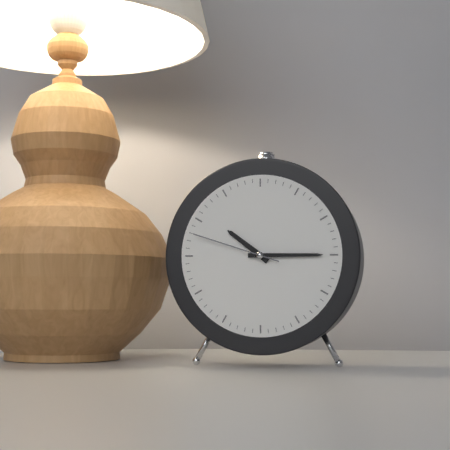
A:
10 h 15 min 48 s
